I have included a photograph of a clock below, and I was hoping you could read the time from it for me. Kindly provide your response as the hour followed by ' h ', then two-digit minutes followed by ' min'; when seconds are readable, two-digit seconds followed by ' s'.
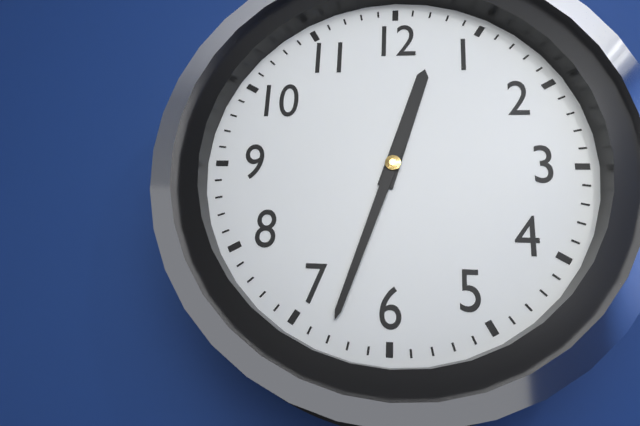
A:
12 h 33 min
